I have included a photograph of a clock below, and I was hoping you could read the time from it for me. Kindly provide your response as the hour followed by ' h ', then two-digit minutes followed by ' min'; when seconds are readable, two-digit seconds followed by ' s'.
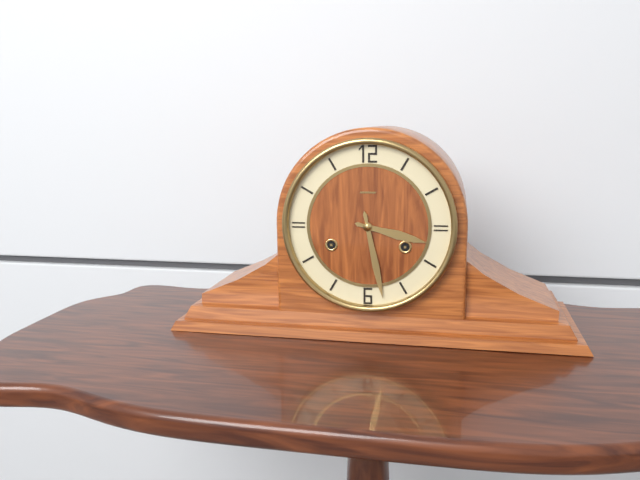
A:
3 h 28 min
